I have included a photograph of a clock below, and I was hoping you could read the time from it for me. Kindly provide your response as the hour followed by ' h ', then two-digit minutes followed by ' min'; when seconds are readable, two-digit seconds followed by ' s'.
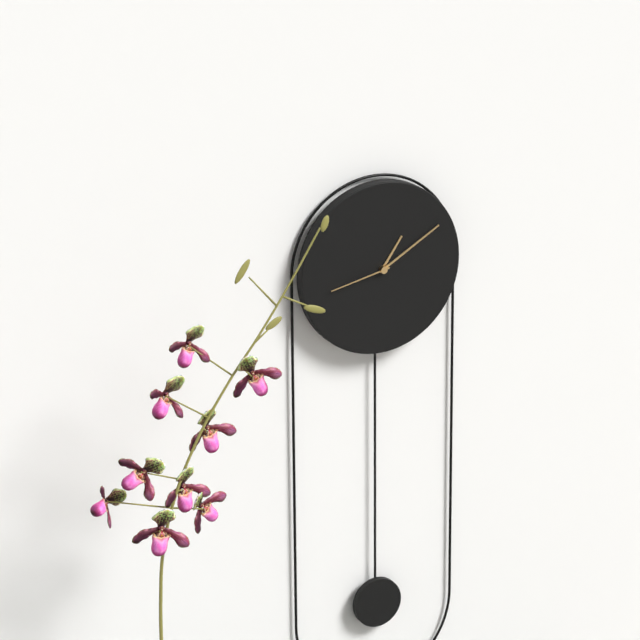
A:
1 h 10 min 43 s
